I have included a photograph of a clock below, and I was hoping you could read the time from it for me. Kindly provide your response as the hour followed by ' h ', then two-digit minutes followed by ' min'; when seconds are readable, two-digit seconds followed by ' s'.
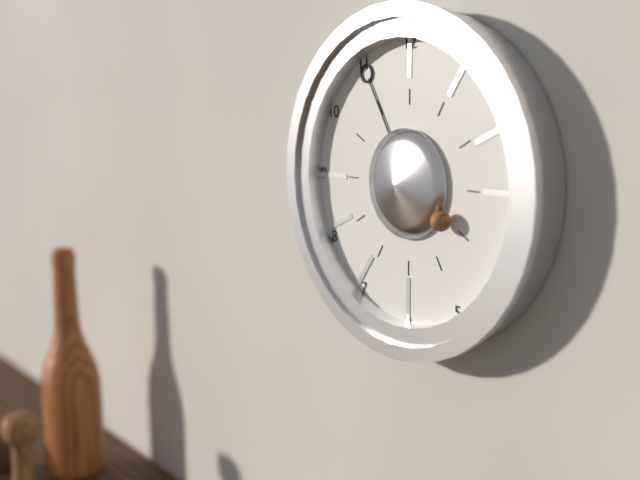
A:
3 h 55 min
